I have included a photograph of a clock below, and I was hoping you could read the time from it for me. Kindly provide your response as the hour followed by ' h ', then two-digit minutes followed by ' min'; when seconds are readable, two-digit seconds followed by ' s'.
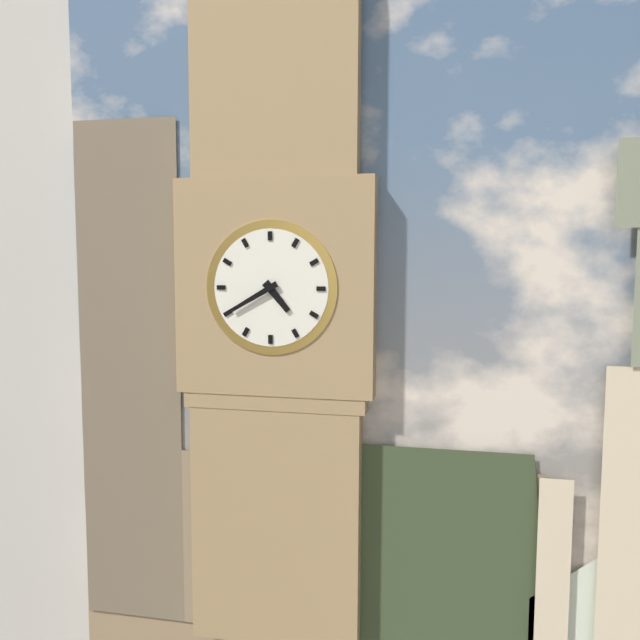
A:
4 h 40 min
